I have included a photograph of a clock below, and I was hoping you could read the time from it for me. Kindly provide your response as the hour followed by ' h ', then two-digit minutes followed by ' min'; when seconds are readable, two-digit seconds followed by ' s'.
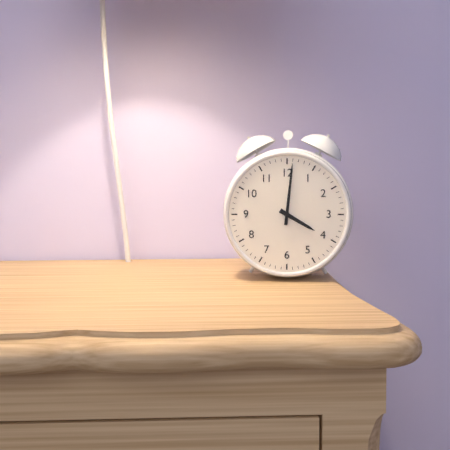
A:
4 h 01 min
